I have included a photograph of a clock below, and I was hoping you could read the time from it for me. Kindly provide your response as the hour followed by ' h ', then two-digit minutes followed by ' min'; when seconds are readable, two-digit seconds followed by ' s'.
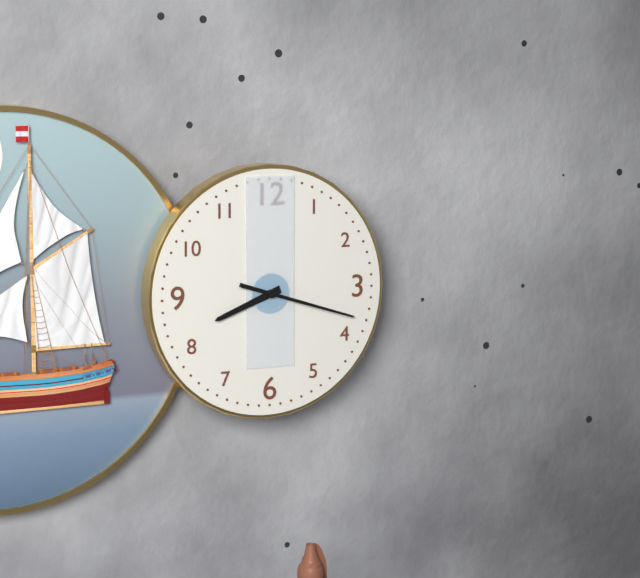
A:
8 h 18 min
